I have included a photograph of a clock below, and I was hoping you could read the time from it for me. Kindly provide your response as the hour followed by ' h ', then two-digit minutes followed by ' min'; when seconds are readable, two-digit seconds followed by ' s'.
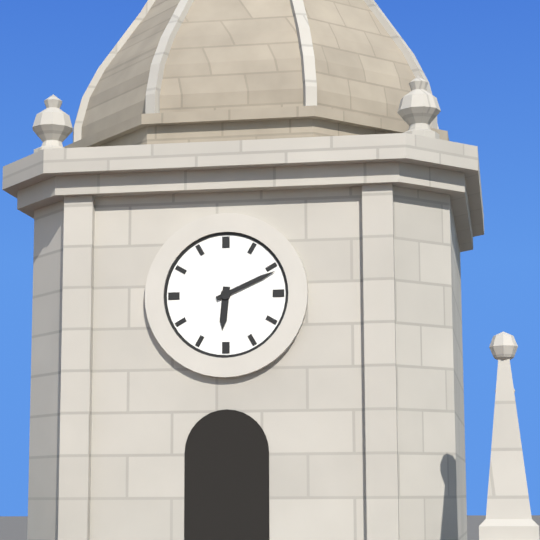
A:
6 h 11 min
